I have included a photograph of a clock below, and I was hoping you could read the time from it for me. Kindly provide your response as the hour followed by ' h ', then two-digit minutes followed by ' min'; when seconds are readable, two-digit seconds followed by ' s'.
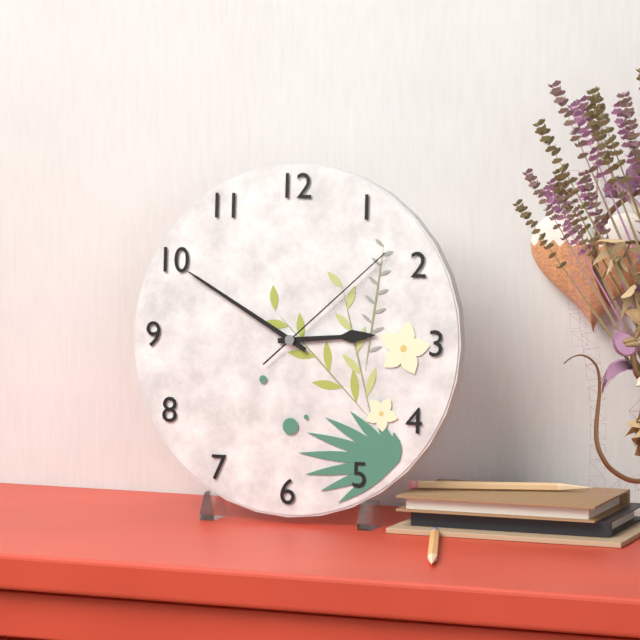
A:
2 h 50 min 08 s
